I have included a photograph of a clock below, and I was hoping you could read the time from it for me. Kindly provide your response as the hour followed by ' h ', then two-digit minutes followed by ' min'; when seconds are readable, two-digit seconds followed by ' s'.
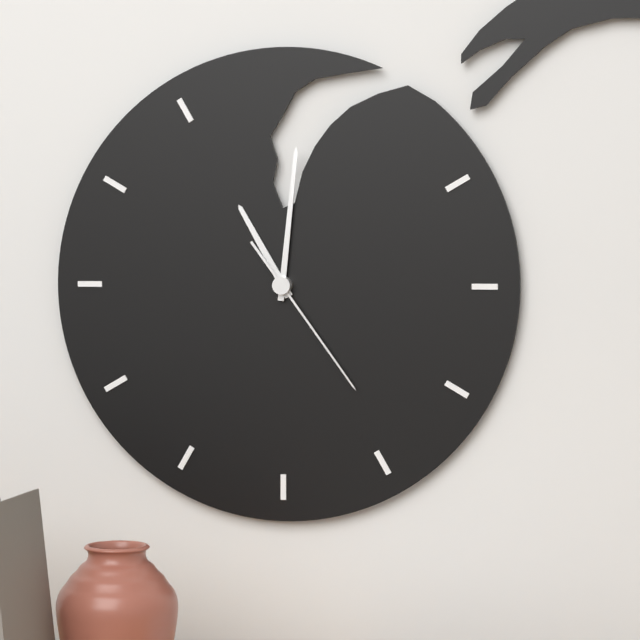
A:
11 h 01 min 24 s
